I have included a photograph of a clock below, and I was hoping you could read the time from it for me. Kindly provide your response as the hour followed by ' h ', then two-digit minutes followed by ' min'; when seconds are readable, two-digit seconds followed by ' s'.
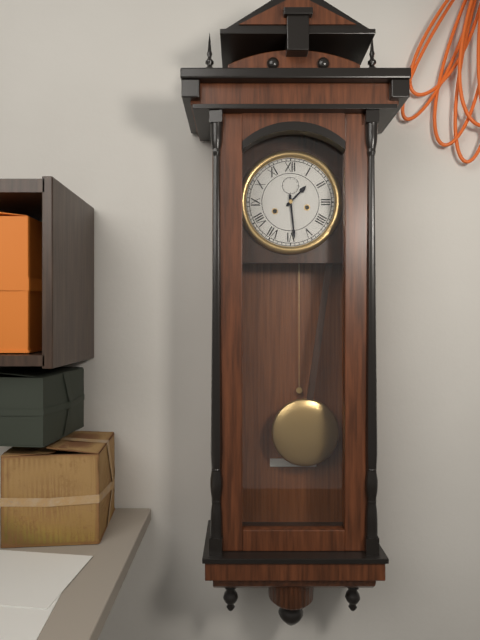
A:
1 h 29 min
